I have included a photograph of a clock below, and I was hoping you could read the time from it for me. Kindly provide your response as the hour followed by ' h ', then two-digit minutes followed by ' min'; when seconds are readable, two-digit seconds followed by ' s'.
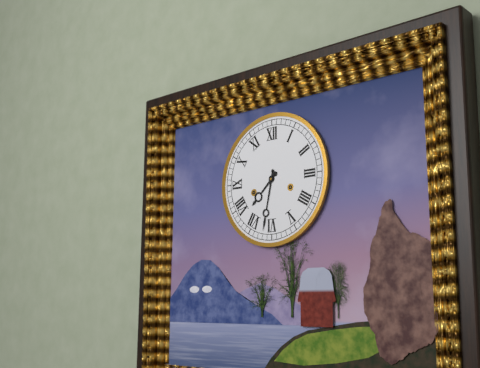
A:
7 h 32 min
